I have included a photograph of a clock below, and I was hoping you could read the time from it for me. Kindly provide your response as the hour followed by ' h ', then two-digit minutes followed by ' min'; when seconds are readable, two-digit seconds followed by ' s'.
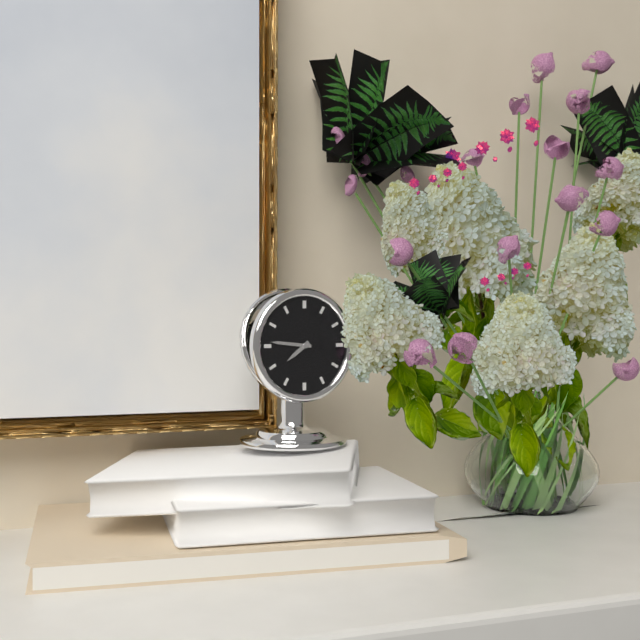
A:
7 h 46 min
